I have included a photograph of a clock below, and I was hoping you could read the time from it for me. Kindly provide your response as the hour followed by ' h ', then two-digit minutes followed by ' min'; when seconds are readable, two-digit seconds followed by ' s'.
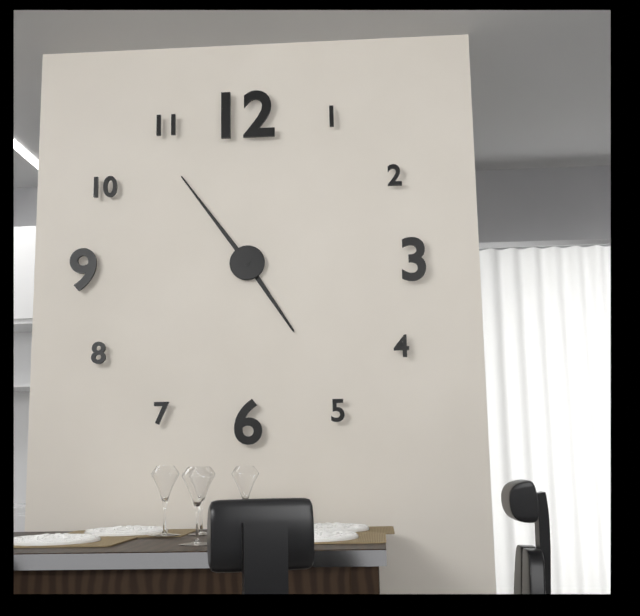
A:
4 h 54 min
